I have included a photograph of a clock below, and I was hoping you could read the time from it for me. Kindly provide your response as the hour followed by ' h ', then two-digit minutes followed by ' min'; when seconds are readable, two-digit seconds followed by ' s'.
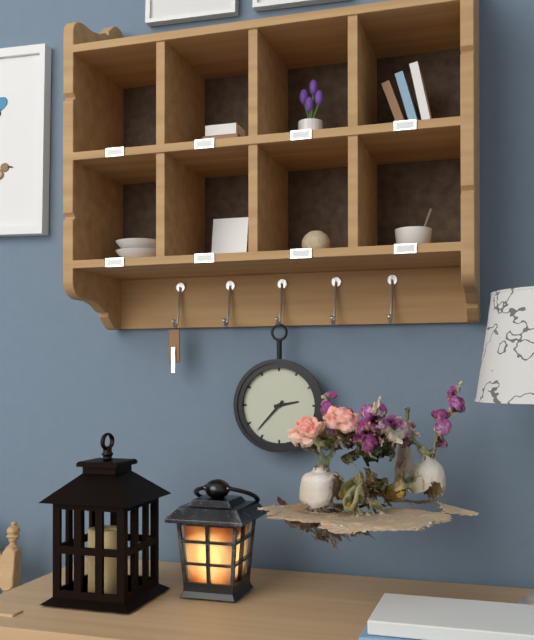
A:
2 h 37 min
